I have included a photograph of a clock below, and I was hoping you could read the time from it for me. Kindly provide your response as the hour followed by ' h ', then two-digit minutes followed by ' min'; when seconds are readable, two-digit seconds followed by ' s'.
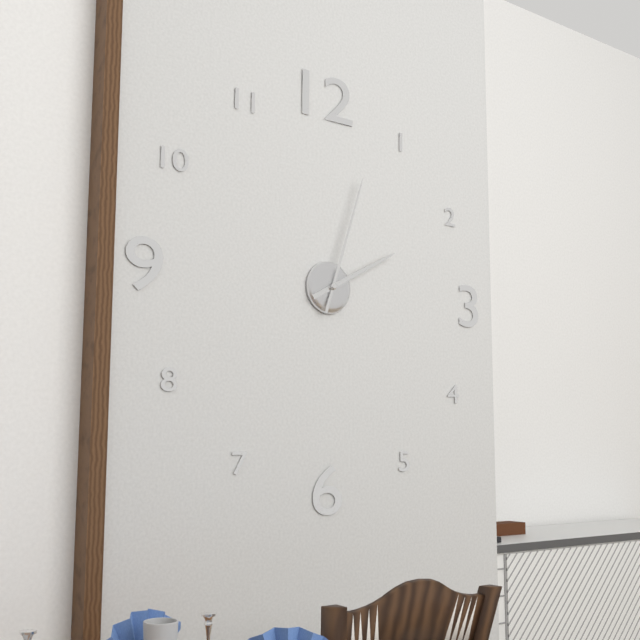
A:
2 h 03 min
